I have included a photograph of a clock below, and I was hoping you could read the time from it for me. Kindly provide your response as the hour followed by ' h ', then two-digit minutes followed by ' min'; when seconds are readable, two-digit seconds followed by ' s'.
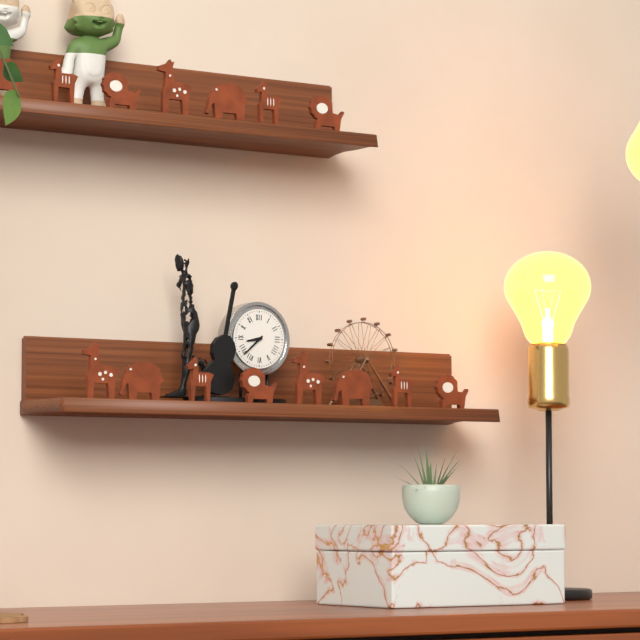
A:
8 h 38 min
